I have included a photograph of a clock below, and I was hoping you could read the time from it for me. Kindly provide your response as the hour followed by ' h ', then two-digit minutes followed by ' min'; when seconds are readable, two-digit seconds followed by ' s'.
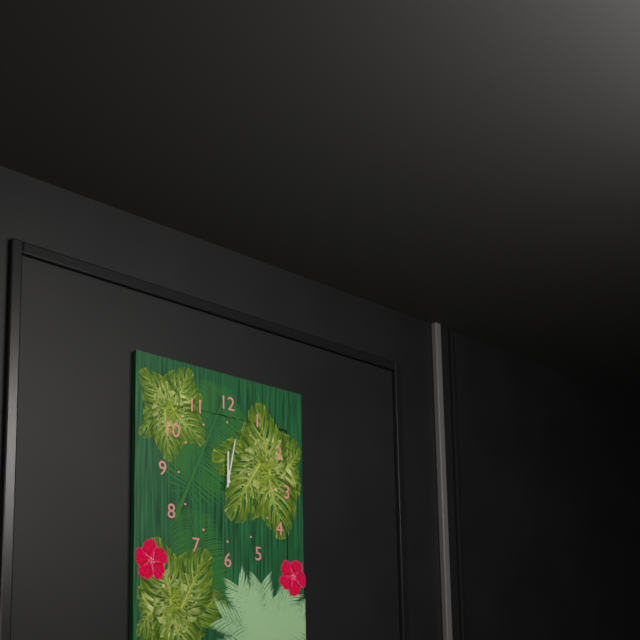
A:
12 h 02 min
